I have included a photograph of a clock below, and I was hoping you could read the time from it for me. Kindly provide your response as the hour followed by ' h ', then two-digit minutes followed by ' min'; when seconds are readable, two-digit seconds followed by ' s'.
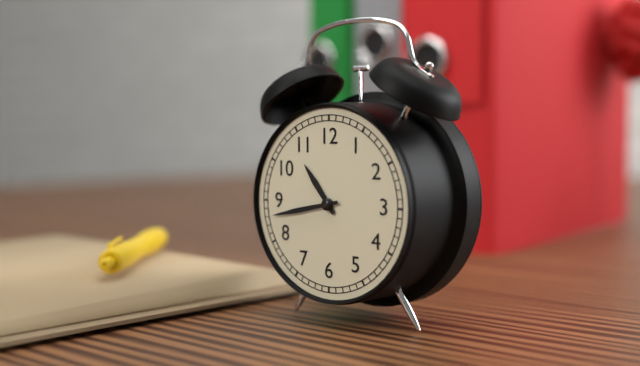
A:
10 h 43 min
